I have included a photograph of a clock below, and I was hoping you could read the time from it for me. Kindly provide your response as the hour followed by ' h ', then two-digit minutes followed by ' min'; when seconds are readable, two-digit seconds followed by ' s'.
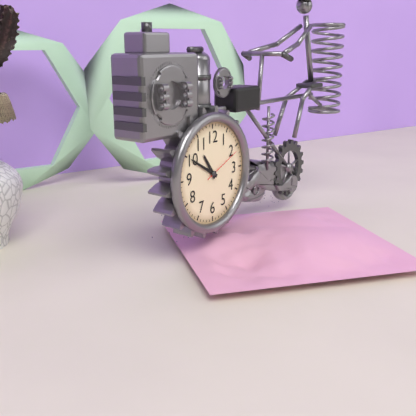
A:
10 h 50 min
